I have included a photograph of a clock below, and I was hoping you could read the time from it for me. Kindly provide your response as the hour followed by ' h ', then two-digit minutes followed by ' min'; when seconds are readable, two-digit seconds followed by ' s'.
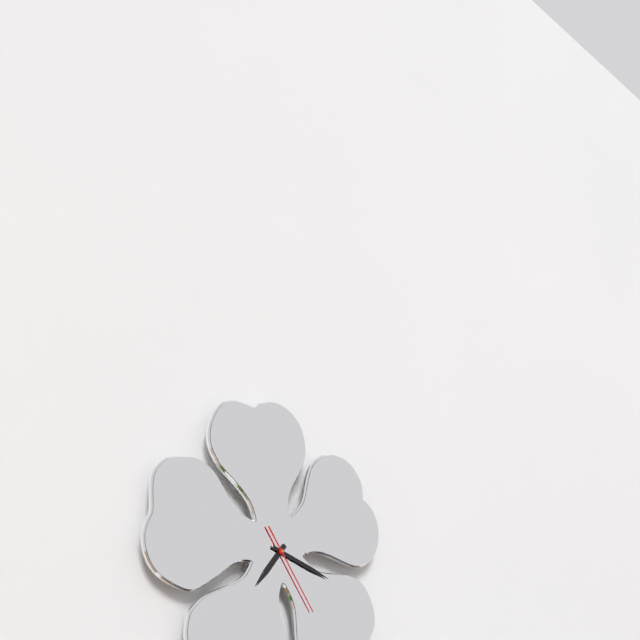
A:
7 h 18 min 24 s
